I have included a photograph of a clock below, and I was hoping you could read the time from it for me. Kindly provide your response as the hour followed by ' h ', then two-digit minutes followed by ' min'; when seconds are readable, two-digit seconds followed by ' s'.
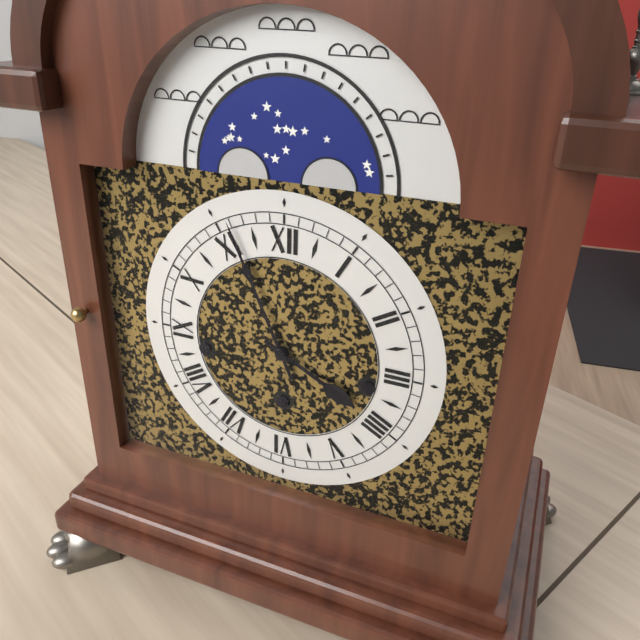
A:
3 h 56 min
